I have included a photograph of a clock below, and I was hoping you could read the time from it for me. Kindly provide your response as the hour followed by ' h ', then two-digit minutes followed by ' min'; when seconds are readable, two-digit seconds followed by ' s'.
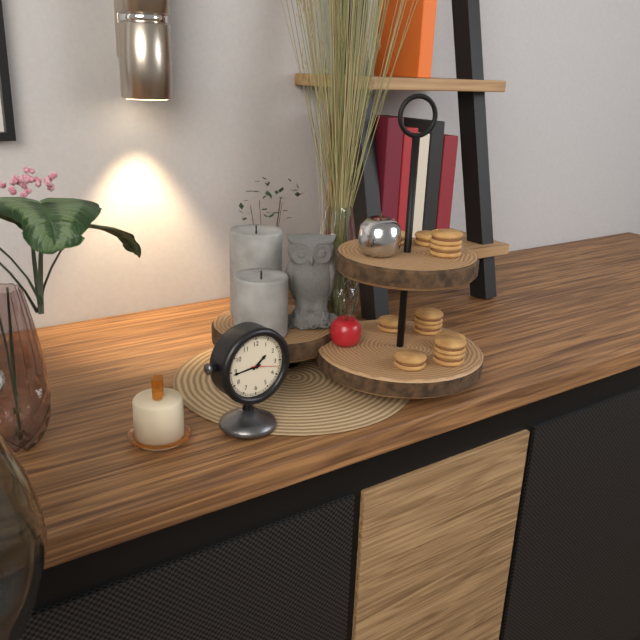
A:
1 h 44 min
